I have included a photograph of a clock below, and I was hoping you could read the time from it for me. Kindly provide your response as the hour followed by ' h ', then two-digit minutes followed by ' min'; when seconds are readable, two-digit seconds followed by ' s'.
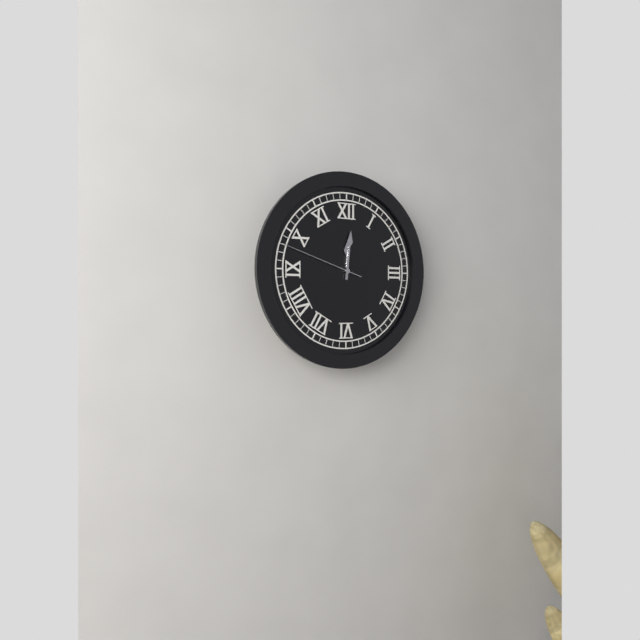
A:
12 h 01 min 48 s
